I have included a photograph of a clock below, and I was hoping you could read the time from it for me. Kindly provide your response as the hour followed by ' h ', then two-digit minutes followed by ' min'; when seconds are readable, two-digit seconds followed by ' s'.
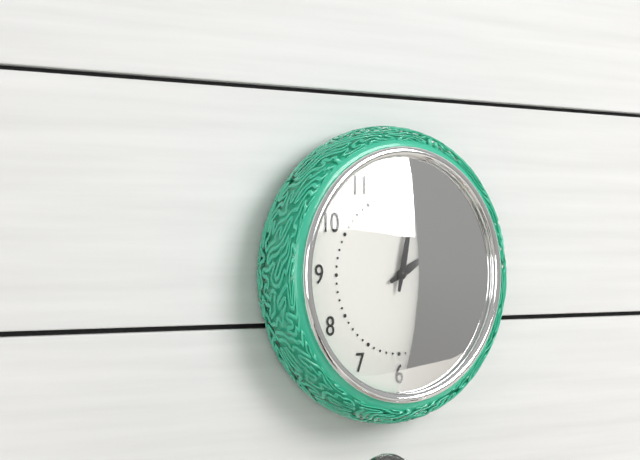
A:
2 h 02 min
